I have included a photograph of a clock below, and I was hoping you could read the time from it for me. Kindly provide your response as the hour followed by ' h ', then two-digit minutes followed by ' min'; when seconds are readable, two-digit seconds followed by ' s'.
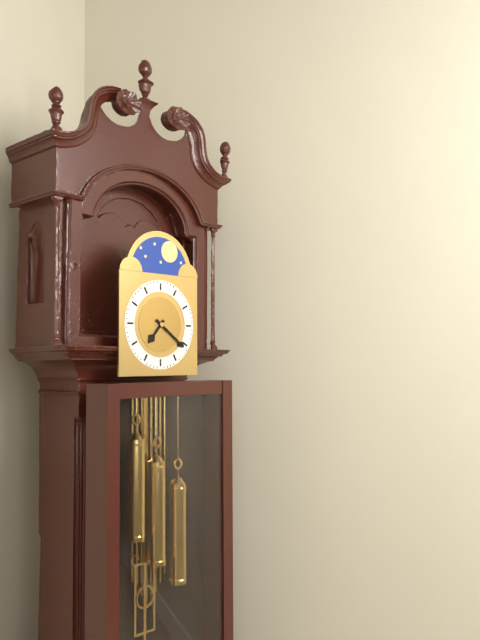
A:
7 h 21 min
